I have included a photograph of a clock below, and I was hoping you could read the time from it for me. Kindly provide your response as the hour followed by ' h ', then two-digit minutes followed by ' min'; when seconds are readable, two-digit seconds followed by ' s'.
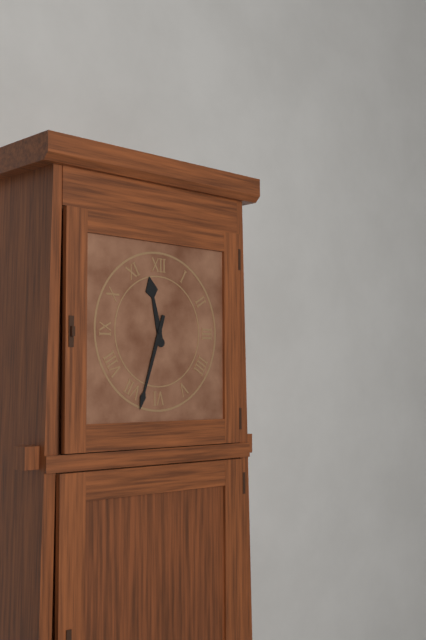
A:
11 h 33 min
